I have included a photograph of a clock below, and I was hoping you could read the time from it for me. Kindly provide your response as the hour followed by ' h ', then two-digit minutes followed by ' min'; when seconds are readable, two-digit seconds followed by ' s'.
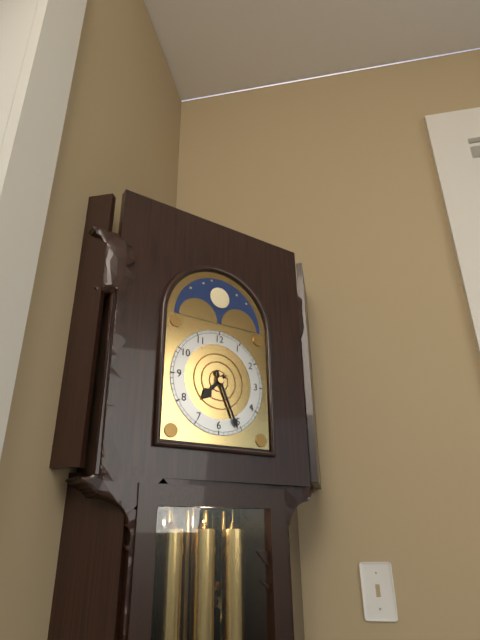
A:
7 h 26 min
